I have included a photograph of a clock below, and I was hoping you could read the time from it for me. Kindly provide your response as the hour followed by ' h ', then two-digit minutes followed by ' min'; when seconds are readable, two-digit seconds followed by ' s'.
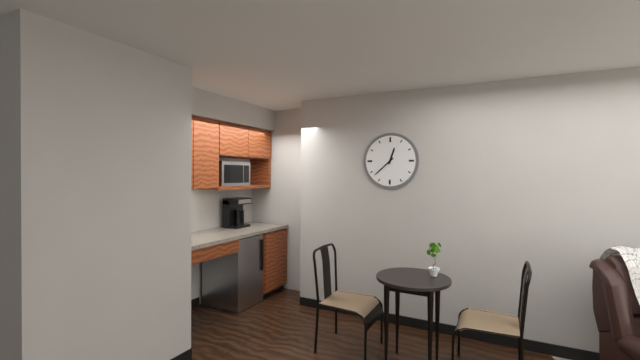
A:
12 h 38 min
